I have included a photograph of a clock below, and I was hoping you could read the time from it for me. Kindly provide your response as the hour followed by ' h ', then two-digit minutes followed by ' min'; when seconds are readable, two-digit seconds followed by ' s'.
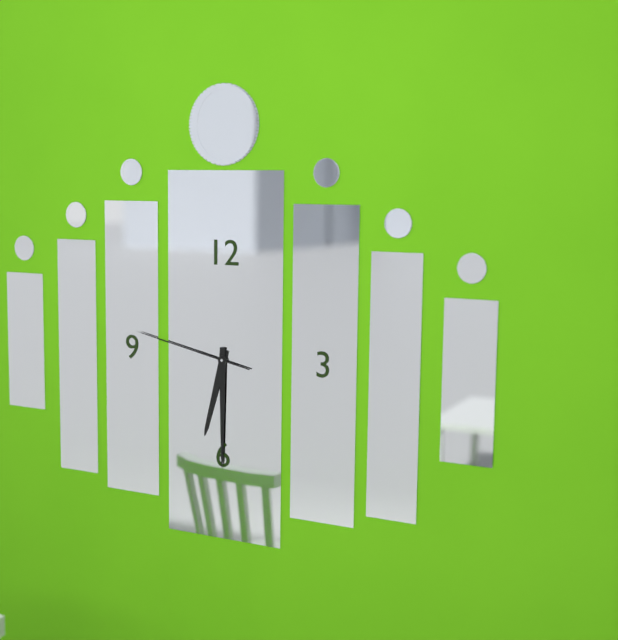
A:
6 h 30 min 47 s
